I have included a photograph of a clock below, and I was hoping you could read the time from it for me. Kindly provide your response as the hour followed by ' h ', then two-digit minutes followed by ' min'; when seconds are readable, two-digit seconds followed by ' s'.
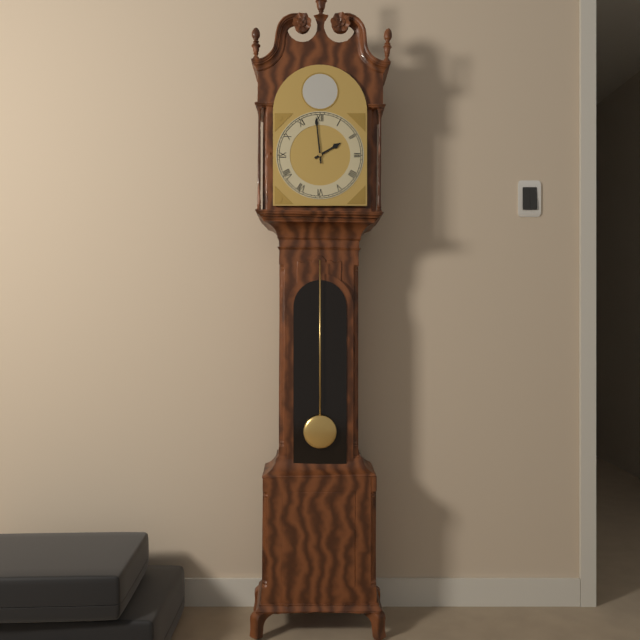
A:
1 h 59 min
